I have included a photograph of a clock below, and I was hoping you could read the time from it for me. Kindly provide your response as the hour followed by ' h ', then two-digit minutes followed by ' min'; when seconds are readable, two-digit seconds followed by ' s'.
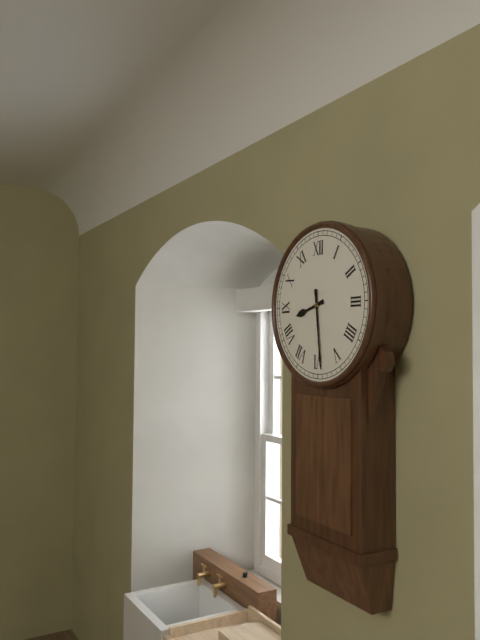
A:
8 h 29 min
